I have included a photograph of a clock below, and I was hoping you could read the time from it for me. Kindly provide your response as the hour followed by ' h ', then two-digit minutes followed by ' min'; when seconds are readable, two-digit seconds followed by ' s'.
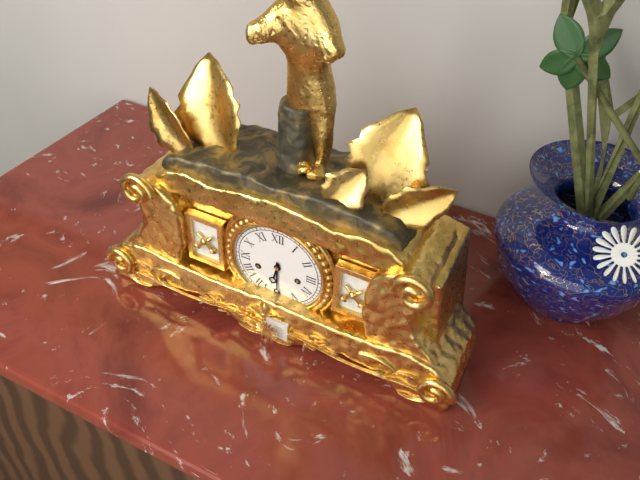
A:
6 h 30 min
